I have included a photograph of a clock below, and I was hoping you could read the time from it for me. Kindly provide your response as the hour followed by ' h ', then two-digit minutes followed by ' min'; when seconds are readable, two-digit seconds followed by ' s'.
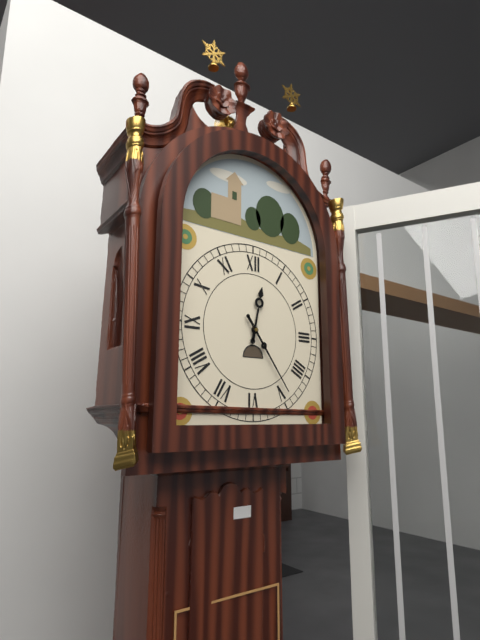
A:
12 h 24 min
